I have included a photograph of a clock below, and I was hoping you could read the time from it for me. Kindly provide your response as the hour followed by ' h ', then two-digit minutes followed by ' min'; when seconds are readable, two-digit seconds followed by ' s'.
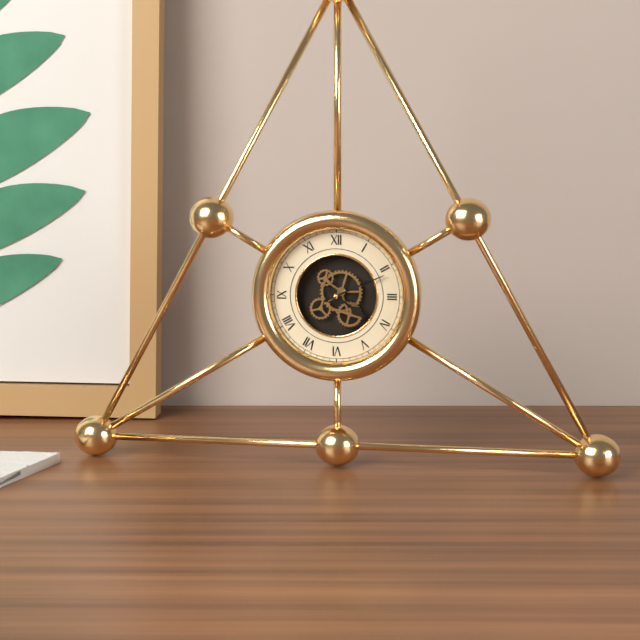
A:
4 h 11 min
